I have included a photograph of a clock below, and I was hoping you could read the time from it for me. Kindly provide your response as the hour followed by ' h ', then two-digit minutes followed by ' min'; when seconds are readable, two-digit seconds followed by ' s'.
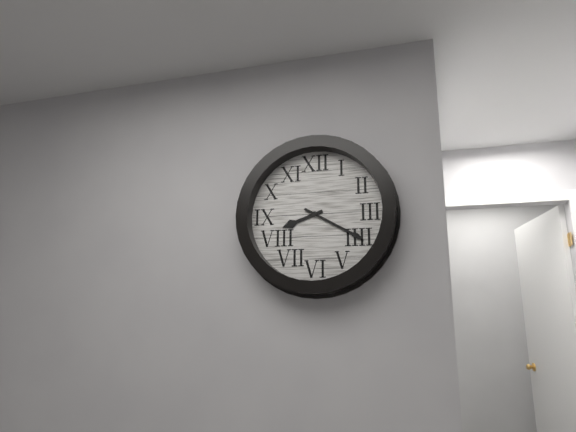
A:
8 h 20 min
